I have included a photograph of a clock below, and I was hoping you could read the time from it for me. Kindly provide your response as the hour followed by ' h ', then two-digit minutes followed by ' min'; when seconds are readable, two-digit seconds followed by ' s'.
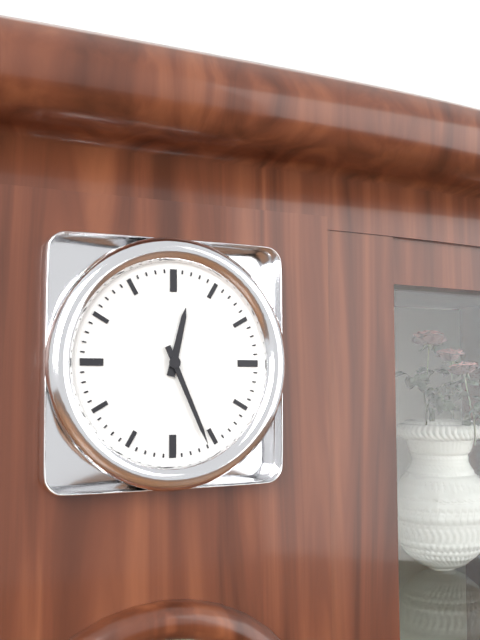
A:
12 h 26 min
